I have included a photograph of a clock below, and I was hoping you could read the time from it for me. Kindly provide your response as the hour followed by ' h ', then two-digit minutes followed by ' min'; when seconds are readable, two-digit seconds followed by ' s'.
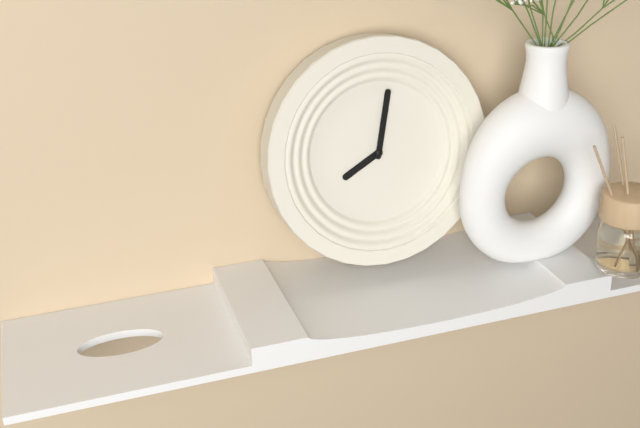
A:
8 h 02 min
